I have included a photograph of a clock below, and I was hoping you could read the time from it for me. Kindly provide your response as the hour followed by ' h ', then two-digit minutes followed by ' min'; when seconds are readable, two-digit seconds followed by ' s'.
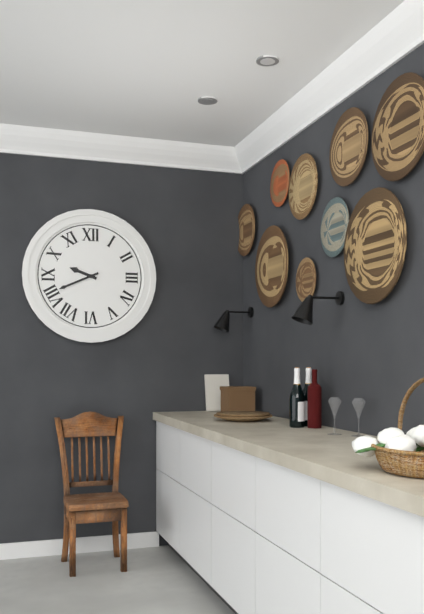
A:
9 h 41 min
